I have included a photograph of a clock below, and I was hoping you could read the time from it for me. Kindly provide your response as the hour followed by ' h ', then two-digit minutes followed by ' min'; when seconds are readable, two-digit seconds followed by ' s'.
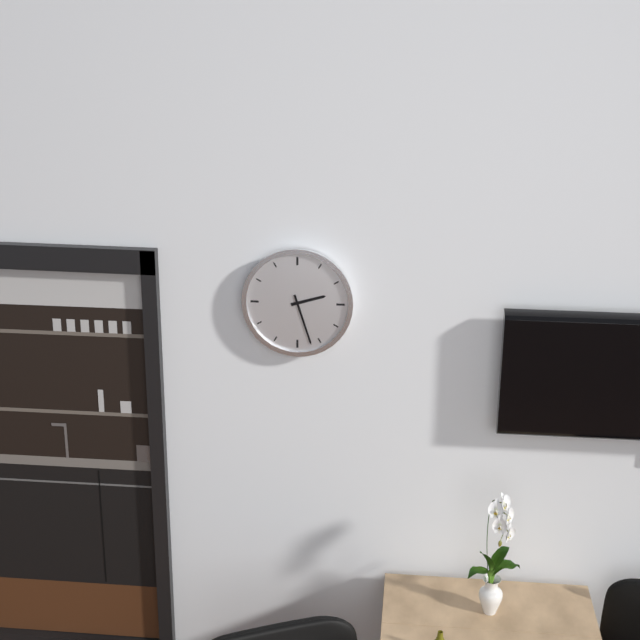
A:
2 h 27 min
